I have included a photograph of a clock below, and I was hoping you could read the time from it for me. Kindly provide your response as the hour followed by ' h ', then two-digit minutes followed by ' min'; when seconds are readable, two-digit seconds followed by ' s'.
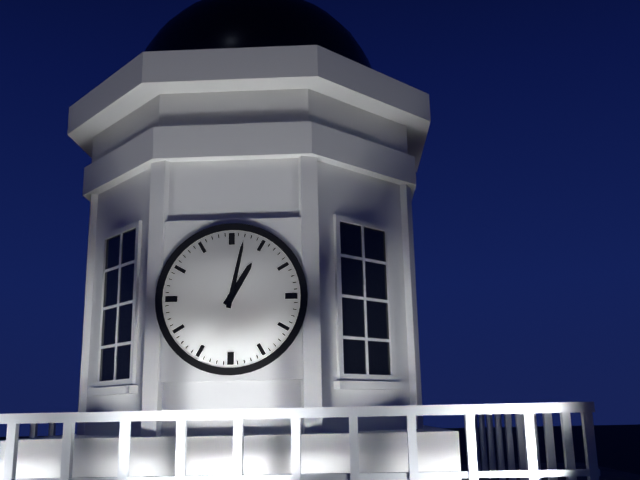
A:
1 h 02 min
